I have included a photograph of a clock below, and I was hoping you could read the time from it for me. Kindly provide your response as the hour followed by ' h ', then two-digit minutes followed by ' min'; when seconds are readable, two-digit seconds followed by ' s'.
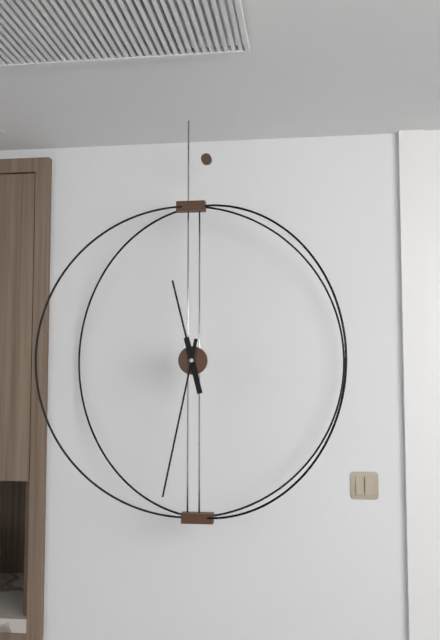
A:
11 h 32 min
